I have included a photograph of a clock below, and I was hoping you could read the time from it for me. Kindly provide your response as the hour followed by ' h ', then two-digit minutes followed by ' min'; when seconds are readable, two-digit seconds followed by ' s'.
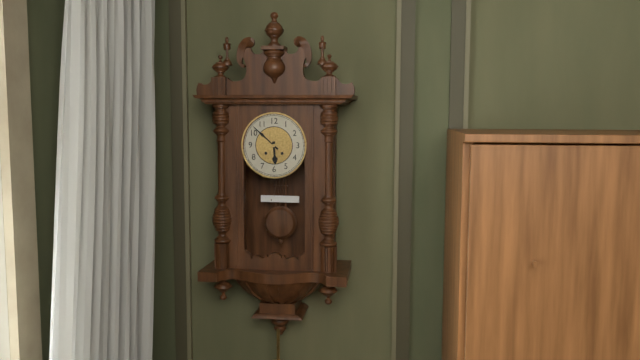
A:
5 h 52 min
